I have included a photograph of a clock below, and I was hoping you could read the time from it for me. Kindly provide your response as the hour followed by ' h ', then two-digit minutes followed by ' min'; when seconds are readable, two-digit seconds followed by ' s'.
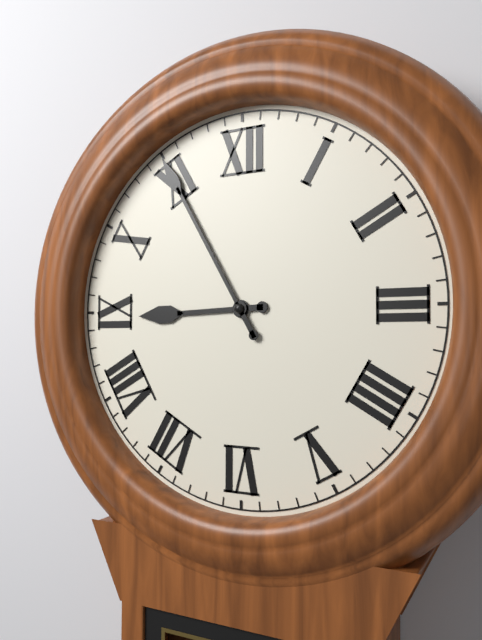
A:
8 h 55 min
